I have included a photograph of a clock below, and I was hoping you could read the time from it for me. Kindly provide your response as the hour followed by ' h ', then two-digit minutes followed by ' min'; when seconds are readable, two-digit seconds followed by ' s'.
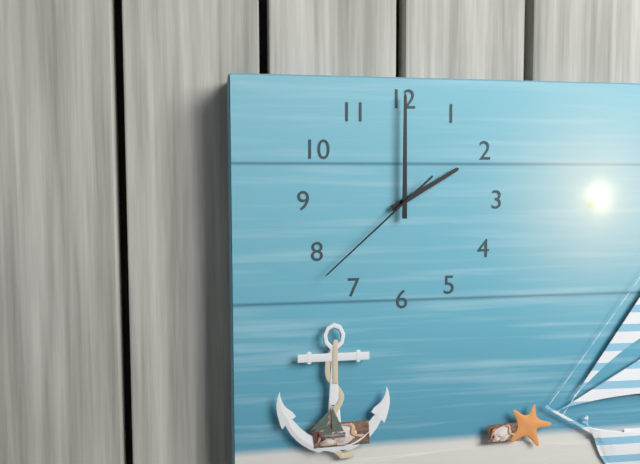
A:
2 h 00 min 38 s
